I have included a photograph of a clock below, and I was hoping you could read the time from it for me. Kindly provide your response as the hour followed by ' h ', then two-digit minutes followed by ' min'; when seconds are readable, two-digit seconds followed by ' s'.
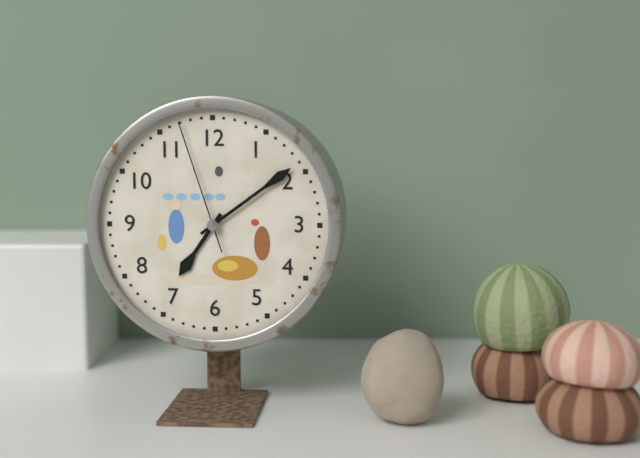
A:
7 h 09 min 57 s
